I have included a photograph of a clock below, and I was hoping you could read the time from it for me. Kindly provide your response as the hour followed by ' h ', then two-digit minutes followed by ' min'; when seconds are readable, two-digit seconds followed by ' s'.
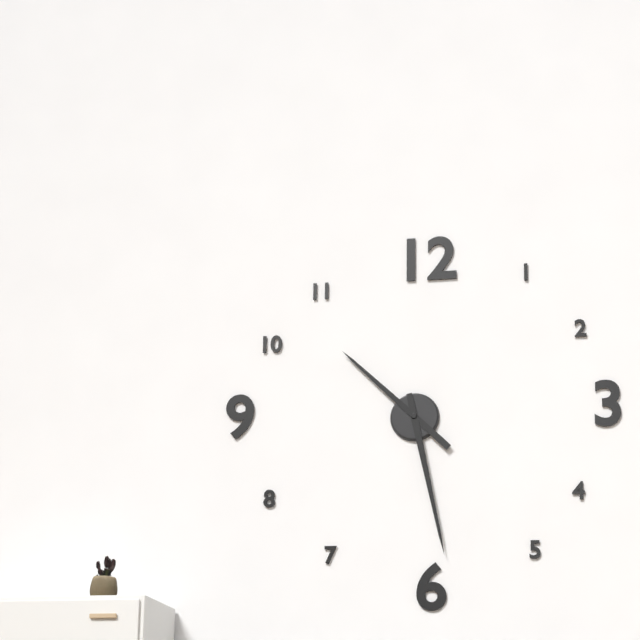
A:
10 h 28 min
